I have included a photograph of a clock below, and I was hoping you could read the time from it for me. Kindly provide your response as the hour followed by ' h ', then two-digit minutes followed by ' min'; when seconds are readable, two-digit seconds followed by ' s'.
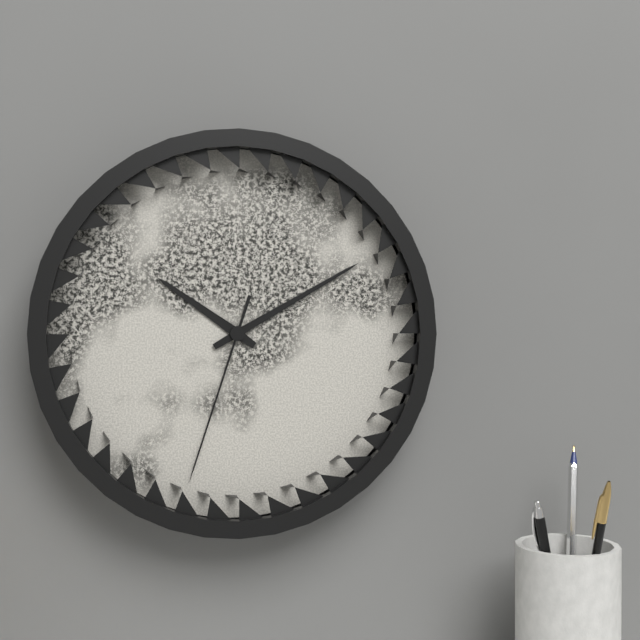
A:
10 h 10 min 33 s
